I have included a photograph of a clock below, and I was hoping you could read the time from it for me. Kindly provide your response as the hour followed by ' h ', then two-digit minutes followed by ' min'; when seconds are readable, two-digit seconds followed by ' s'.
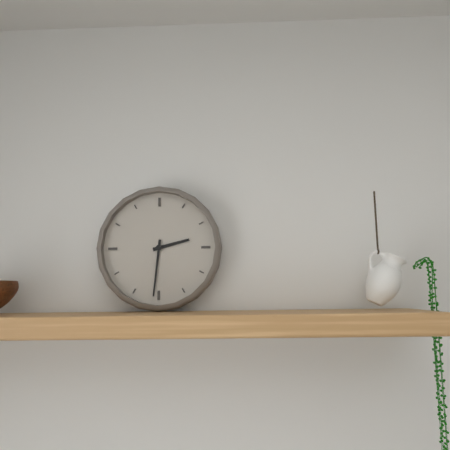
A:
2 h 31 min
